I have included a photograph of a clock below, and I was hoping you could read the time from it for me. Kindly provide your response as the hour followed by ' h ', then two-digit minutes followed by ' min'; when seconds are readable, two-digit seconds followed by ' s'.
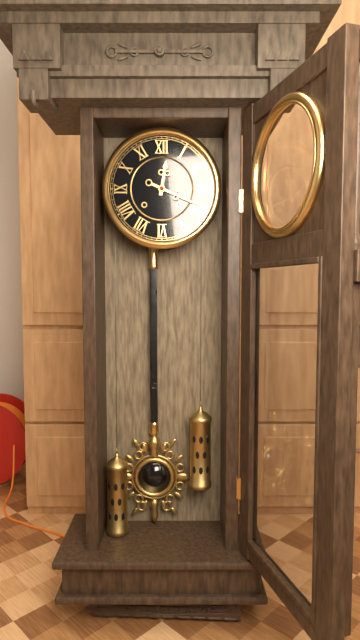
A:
12 h 19 min
